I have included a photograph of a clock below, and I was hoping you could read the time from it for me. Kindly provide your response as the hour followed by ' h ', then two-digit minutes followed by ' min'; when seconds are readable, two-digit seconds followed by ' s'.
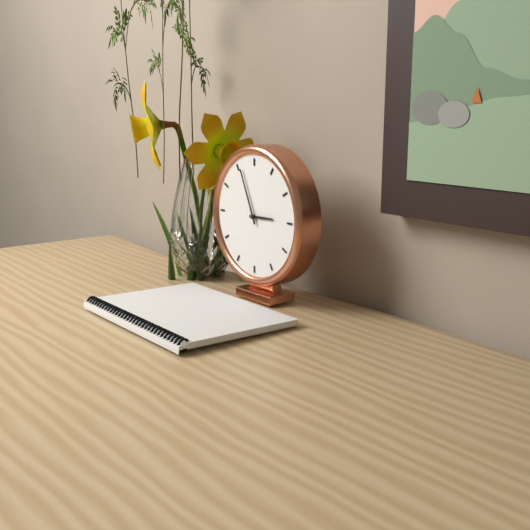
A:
2 h 56 min
